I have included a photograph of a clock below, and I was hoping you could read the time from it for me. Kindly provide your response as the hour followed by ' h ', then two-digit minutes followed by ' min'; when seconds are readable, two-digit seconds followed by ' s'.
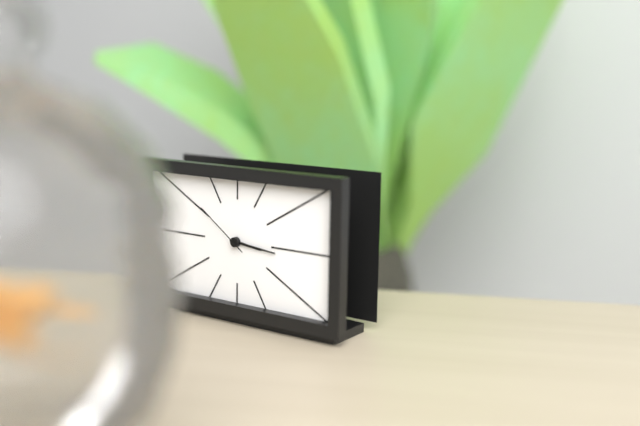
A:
3 h 16 min 51 s
